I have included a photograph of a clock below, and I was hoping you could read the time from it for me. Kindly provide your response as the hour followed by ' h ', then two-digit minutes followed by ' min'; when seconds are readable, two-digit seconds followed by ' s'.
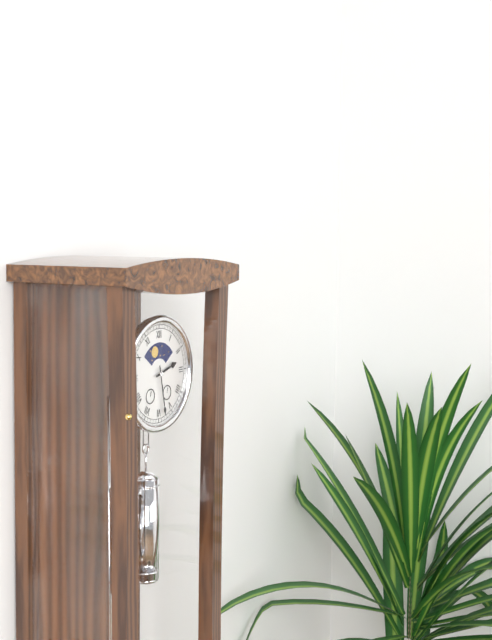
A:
2 h 28 min
